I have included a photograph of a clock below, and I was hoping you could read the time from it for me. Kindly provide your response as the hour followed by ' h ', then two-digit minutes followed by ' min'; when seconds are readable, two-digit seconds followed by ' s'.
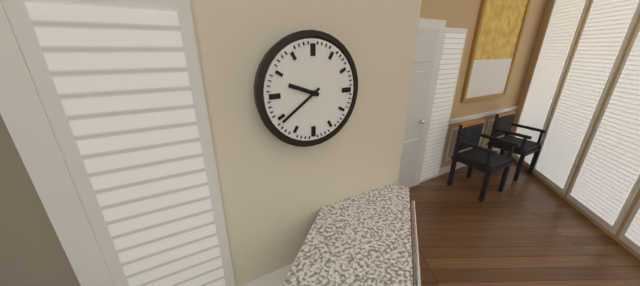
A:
9 h 39 min
